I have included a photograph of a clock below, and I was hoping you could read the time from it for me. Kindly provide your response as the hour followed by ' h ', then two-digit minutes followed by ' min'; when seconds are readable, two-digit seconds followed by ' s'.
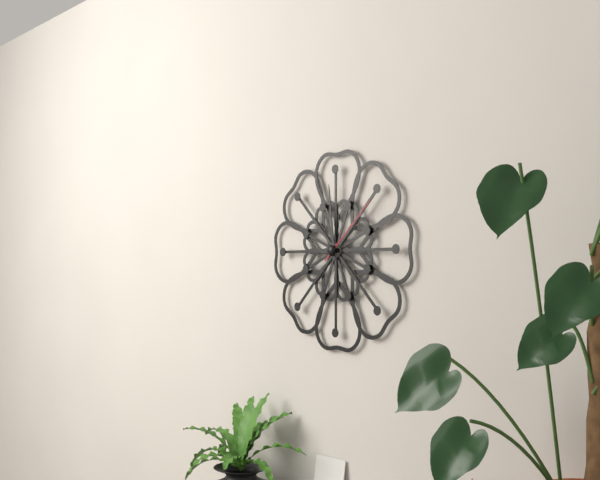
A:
8 h 59 min 08 s
